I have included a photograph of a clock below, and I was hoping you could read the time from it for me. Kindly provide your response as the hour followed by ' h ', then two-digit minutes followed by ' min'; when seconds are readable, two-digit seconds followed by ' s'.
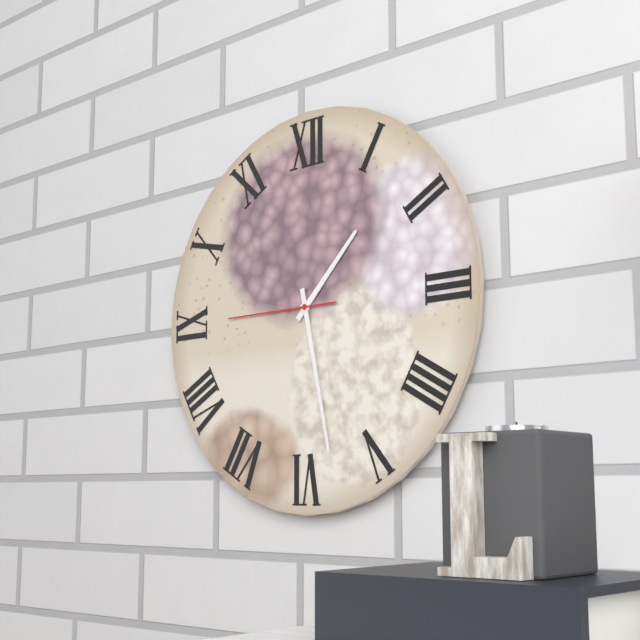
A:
1 h 28 min 45 s
